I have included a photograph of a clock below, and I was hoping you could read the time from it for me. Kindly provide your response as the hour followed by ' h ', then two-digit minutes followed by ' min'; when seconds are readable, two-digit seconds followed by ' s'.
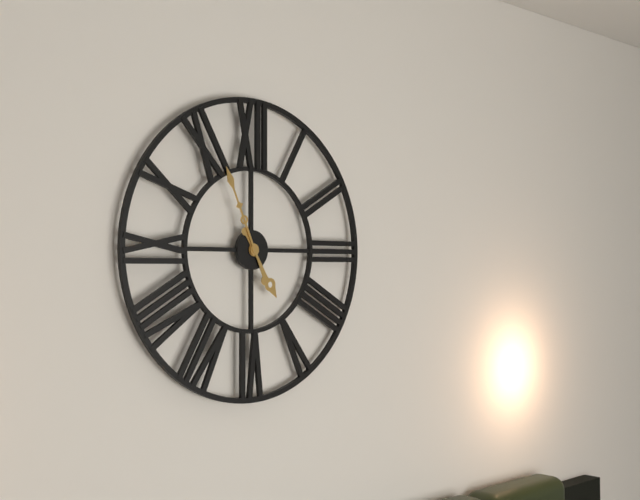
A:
4 h 56 min
